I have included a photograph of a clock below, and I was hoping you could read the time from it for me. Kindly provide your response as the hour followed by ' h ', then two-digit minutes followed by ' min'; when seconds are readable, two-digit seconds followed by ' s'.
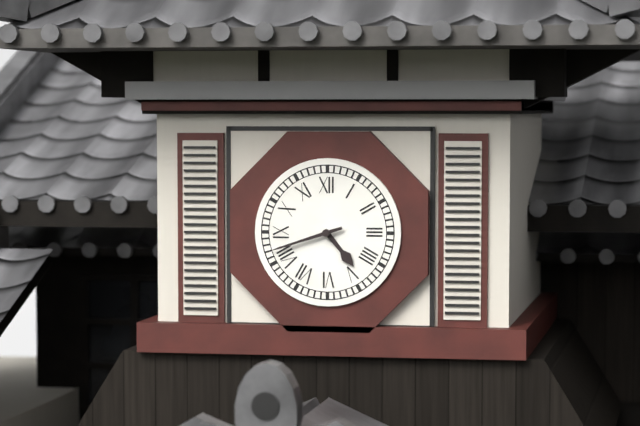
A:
4 h 42 min
